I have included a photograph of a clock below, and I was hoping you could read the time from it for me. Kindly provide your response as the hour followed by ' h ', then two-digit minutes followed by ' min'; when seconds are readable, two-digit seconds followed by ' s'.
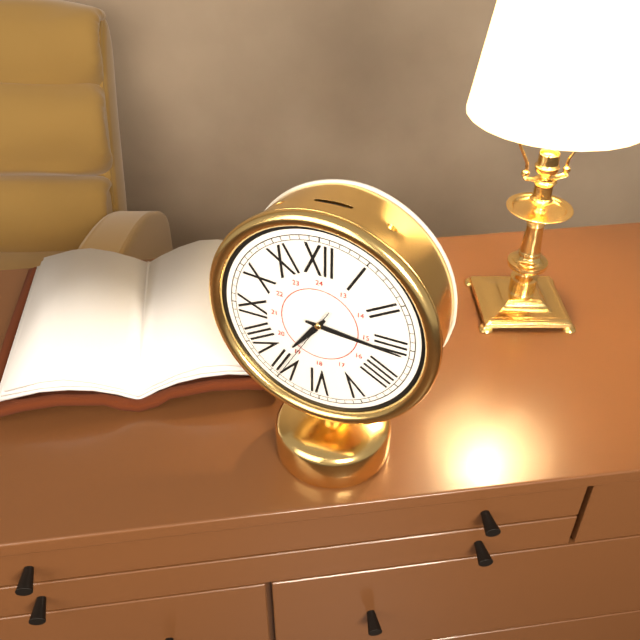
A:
7 h 16 min 35 s
